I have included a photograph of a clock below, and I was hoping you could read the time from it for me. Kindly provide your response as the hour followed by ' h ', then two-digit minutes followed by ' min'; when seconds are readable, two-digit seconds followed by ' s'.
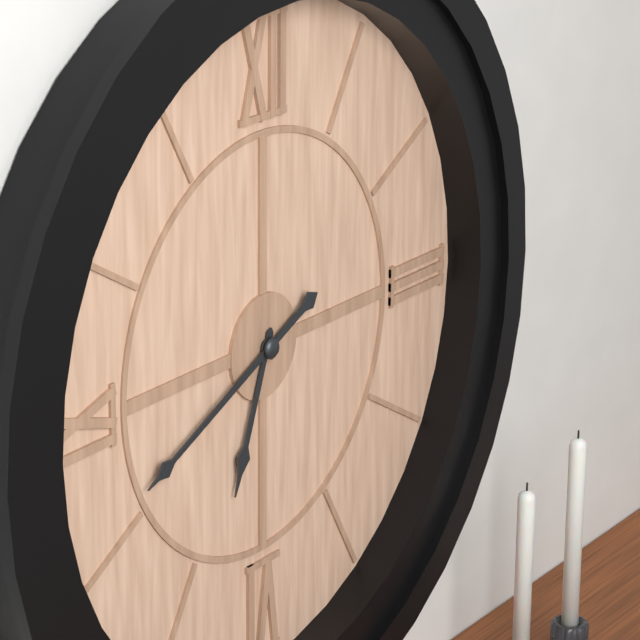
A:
6 h 41 min
